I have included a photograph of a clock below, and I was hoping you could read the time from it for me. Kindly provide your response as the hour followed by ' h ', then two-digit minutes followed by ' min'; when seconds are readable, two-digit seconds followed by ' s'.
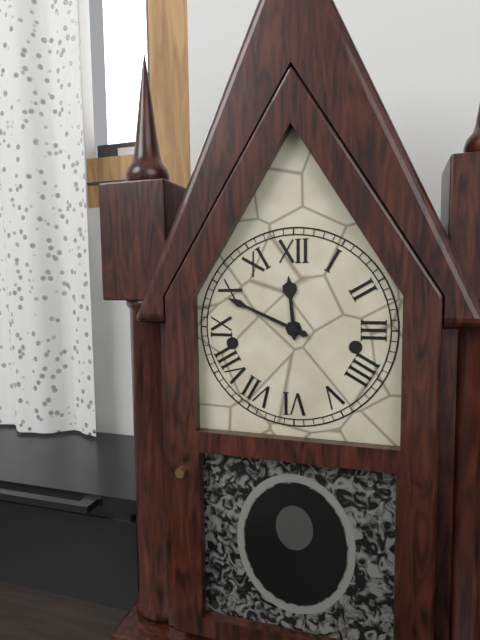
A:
11 h 49 min
